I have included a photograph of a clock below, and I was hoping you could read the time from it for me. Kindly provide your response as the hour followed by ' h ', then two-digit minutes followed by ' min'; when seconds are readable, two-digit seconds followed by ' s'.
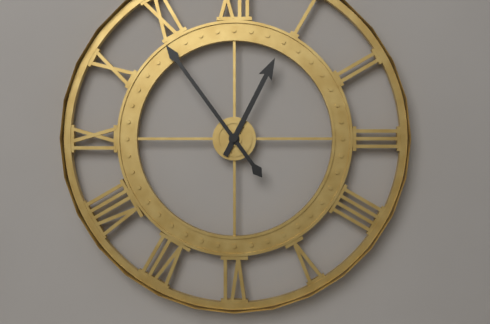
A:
12 h 54 min
